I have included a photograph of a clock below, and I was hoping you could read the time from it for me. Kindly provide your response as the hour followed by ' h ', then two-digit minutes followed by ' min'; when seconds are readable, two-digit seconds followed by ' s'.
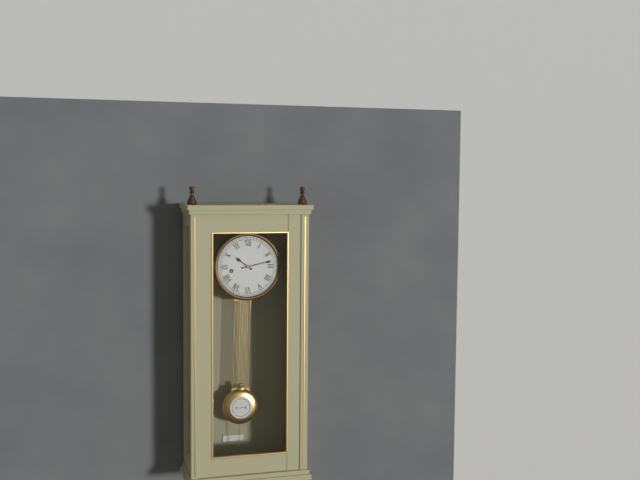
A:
10 h 13 min
